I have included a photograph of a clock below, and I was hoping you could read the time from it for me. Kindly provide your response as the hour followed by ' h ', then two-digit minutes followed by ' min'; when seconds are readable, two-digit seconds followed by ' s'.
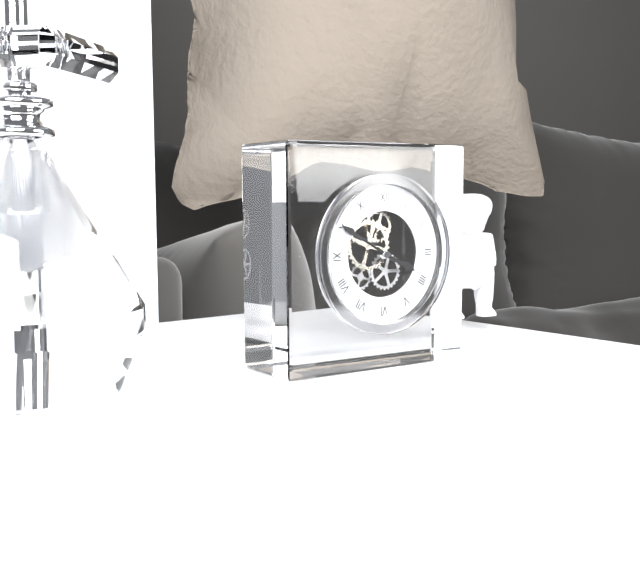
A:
3 h 50 min
